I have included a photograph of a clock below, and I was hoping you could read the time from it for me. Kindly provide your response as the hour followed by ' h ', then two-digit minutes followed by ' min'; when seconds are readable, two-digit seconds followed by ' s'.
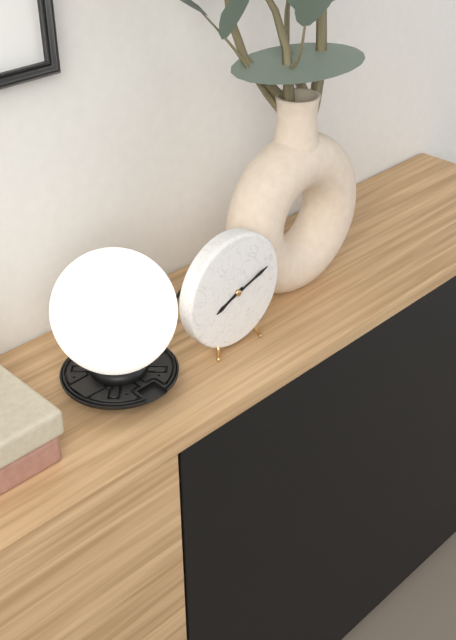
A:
8 h 12 min
